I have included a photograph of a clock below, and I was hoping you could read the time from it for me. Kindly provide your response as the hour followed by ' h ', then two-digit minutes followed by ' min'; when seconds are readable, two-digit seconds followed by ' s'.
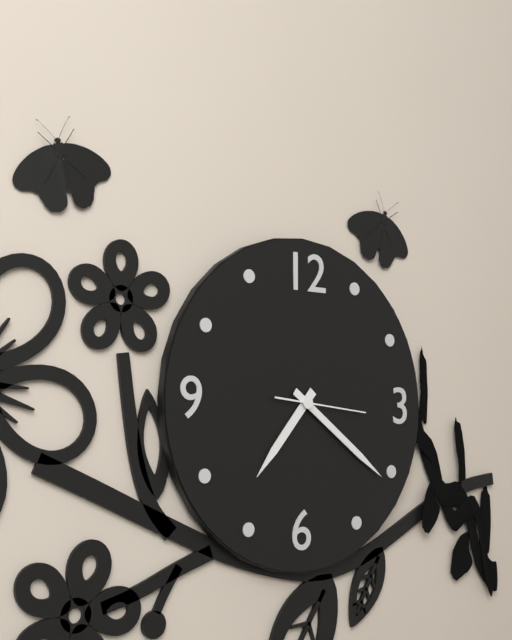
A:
7 h 21 min 16 s
